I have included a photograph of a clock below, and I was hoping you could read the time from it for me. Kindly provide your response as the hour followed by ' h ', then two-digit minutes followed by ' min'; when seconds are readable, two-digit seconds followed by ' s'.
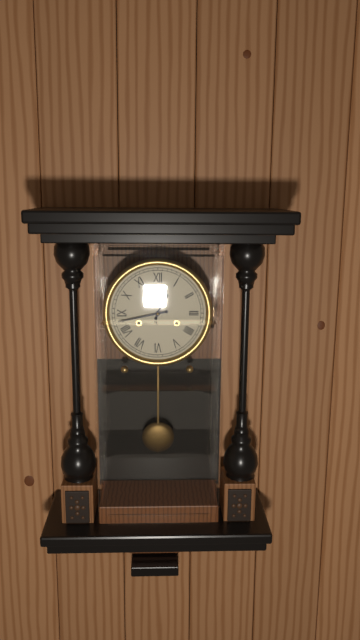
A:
12 h 43 min
